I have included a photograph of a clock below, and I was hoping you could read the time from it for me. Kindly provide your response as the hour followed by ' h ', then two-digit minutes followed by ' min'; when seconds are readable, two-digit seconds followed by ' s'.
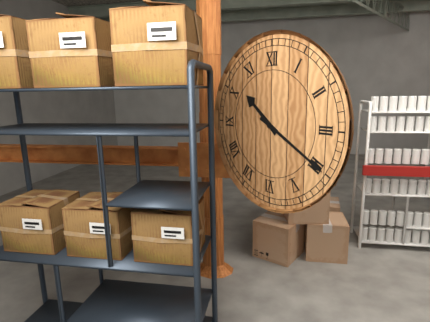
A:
10 h 20 min
